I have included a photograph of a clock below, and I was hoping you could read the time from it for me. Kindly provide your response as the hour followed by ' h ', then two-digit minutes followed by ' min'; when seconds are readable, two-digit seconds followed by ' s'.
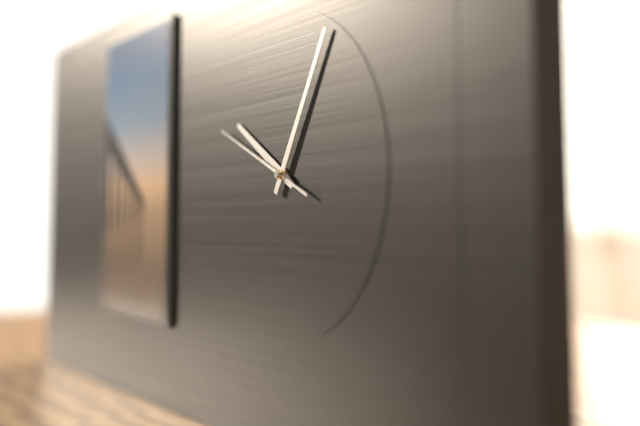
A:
10 h 05 min 49 s
